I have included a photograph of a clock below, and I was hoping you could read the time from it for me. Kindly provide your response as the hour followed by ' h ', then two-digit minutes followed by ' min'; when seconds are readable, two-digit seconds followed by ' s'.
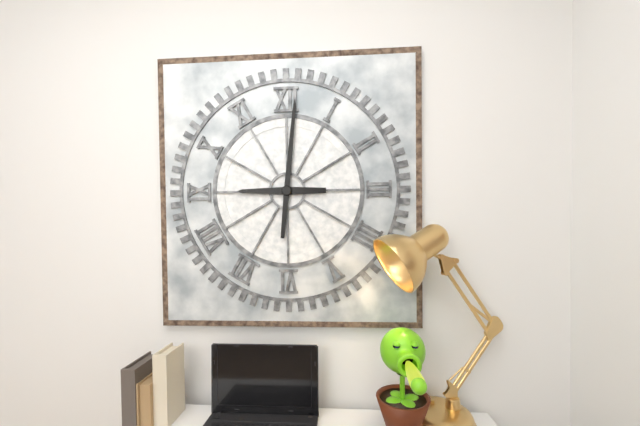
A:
9 h 01 min
